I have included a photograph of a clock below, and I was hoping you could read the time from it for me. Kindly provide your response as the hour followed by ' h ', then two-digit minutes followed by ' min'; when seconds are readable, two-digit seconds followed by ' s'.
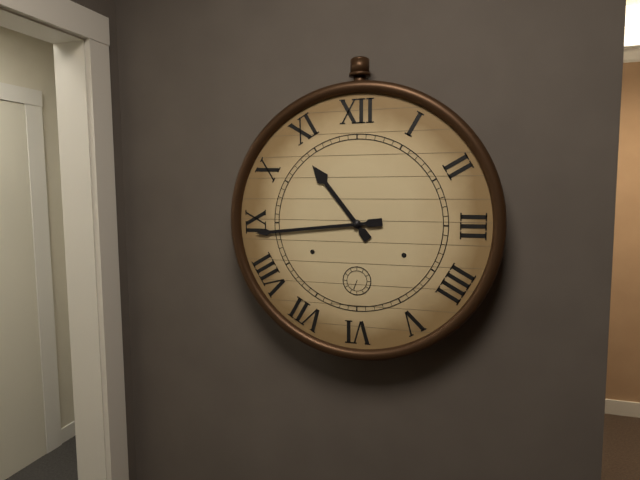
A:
10 h 44 min
